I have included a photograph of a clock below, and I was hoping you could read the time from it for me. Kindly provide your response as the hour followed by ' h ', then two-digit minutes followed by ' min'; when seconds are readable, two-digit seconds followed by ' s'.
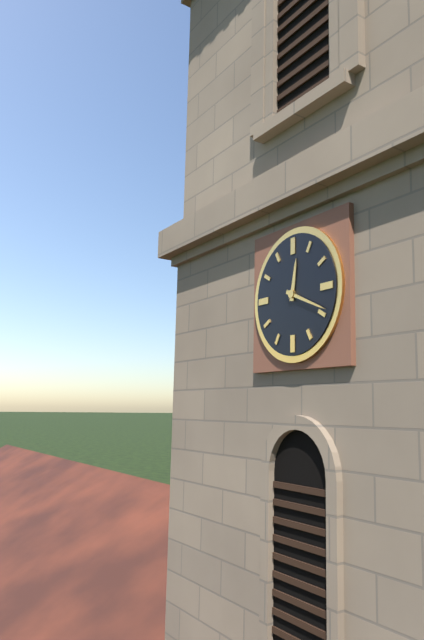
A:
12 h 19 min
